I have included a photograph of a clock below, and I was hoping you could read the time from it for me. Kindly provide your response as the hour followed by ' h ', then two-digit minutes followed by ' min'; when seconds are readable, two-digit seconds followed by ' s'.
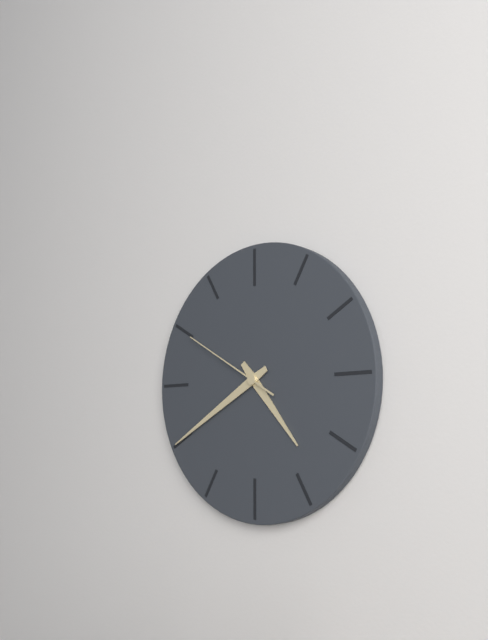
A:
4 h 40 min 50 s
